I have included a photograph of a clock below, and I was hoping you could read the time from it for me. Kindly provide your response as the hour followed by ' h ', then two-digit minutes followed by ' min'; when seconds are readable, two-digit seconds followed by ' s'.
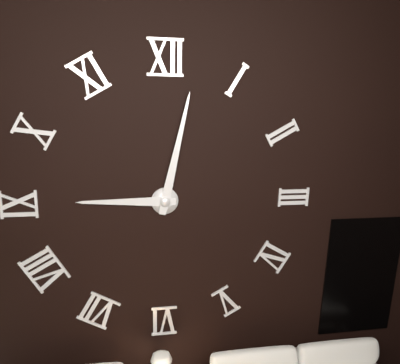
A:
9 h 02 min
